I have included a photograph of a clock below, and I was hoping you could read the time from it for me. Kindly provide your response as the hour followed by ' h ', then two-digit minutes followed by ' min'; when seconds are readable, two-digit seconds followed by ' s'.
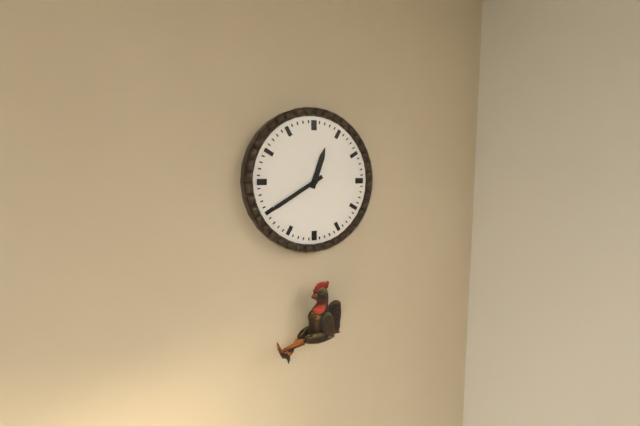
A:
12 h 40 min
